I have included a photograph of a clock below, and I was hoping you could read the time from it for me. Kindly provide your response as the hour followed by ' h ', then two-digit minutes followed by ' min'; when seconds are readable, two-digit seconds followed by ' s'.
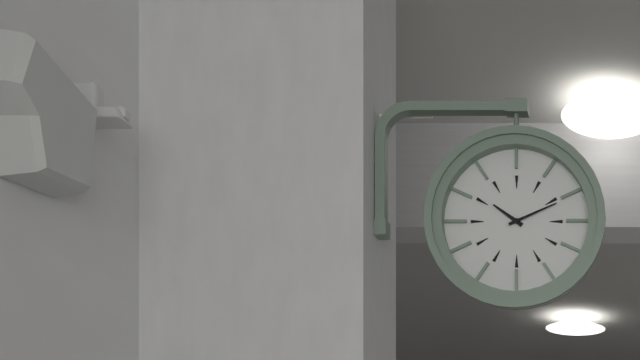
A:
10 h 11 min
